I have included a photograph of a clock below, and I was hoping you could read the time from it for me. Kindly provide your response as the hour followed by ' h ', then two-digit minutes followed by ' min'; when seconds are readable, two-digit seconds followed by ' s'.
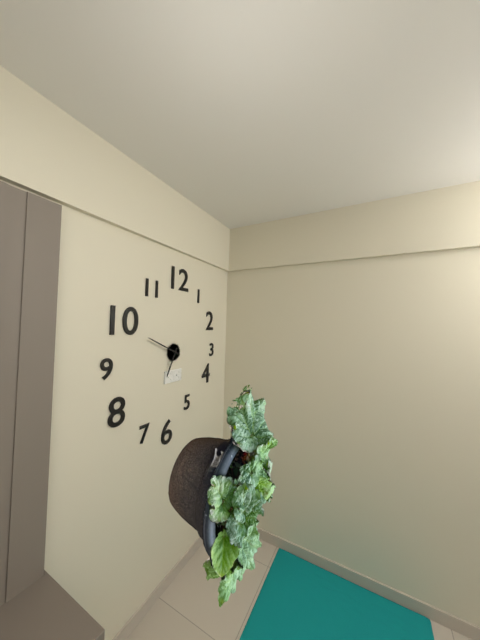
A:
6 h 49 min
